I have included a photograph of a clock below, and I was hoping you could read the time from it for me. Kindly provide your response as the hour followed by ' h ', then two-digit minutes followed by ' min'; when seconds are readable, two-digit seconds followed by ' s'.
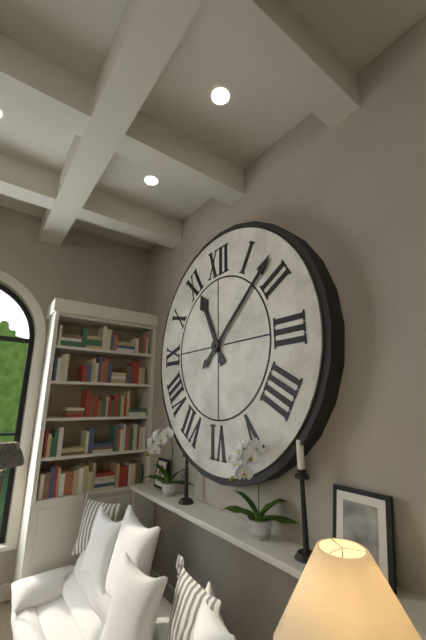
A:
11 h 08 min
